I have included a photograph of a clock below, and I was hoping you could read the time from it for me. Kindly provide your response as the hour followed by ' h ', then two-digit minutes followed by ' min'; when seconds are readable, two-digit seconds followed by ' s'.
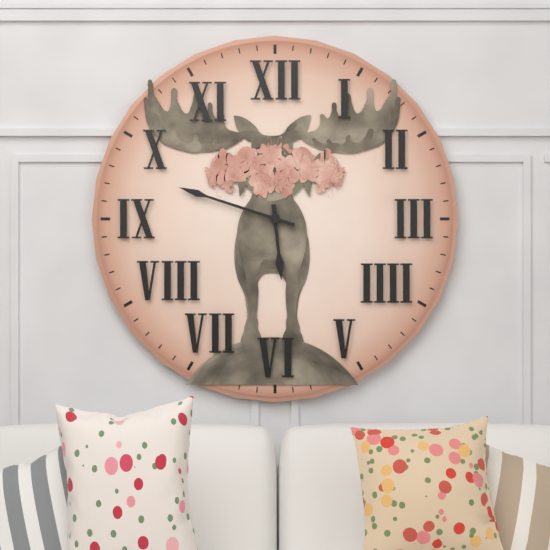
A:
5 h 48 min
